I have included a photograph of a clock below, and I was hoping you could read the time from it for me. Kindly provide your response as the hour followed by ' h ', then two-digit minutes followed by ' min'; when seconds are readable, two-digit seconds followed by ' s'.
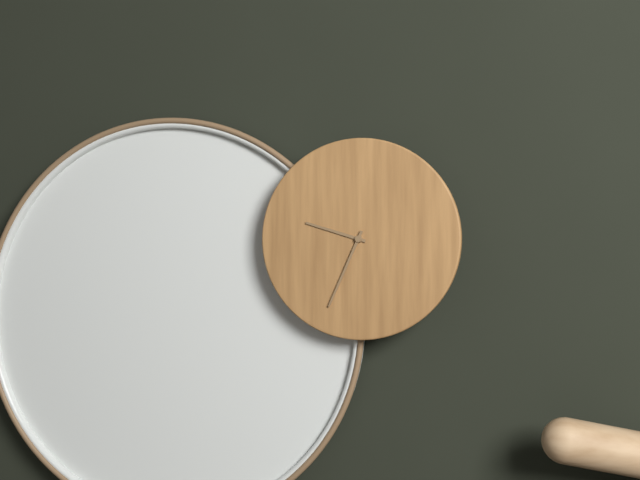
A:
9 h 34 min
